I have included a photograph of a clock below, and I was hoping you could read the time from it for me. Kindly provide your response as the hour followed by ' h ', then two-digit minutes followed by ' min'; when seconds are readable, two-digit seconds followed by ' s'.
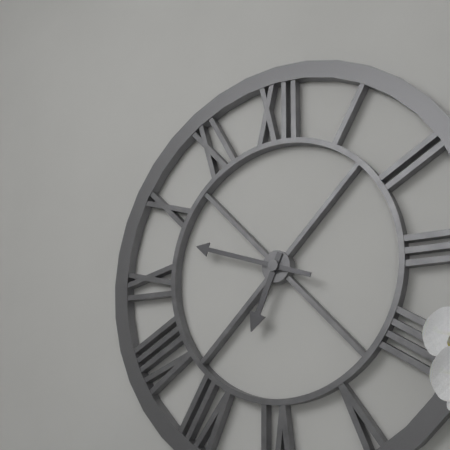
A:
6 h 48 min
